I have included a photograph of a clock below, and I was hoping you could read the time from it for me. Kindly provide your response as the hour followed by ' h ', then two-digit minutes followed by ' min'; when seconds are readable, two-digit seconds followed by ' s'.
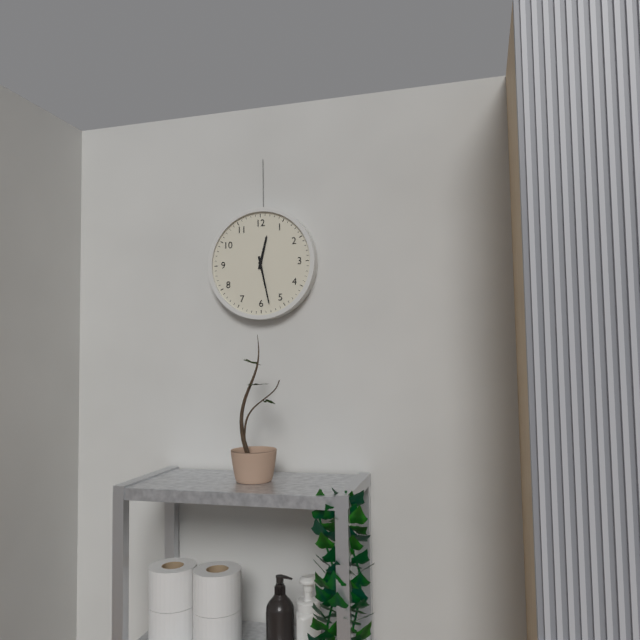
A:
12 h 28 min
